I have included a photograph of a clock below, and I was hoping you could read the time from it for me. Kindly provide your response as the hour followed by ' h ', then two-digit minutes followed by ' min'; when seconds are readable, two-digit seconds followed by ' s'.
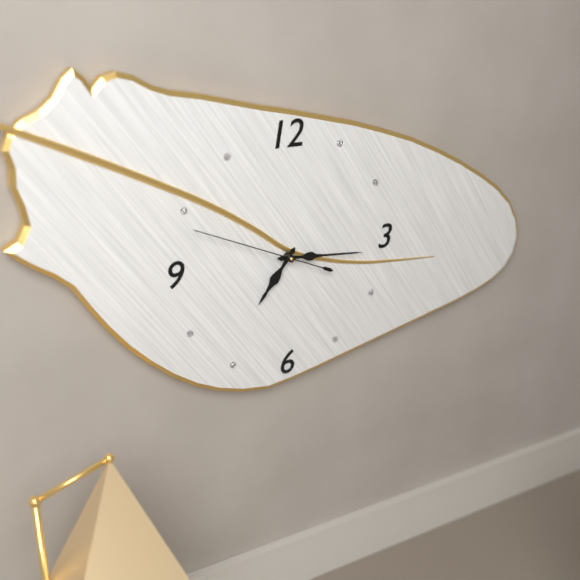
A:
7 h 16 min 49 s
